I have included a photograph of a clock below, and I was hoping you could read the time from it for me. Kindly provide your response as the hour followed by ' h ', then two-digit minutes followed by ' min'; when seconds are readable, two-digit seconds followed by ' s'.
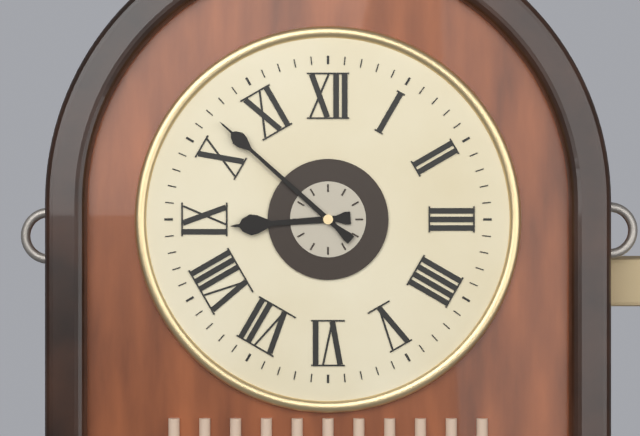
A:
8 h 52 min
